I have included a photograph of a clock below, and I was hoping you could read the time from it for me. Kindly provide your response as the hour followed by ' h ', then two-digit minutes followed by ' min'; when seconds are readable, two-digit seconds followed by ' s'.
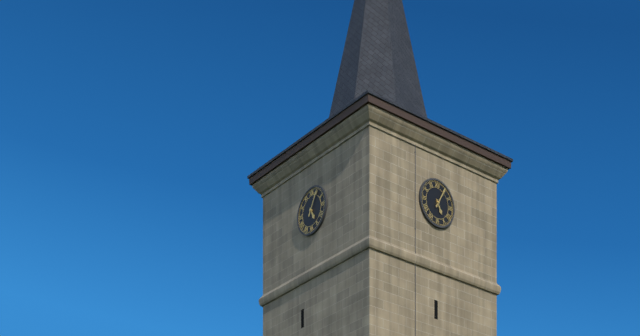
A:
5 h 05 min
